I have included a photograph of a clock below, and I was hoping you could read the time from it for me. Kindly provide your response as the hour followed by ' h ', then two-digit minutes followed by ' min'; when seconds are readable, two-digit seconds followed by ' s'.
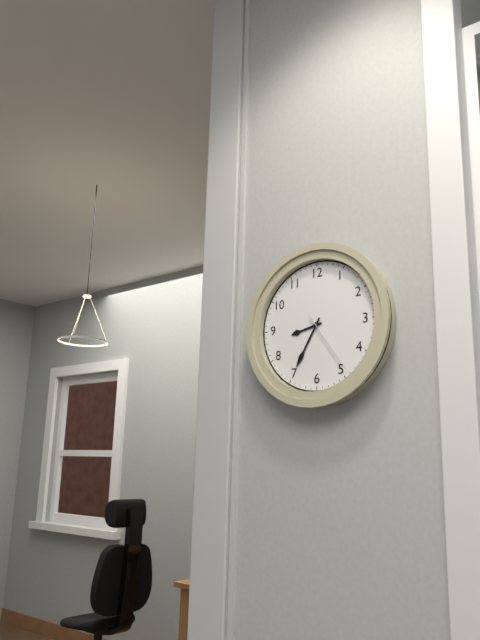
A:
8 h 35 min 24 s
